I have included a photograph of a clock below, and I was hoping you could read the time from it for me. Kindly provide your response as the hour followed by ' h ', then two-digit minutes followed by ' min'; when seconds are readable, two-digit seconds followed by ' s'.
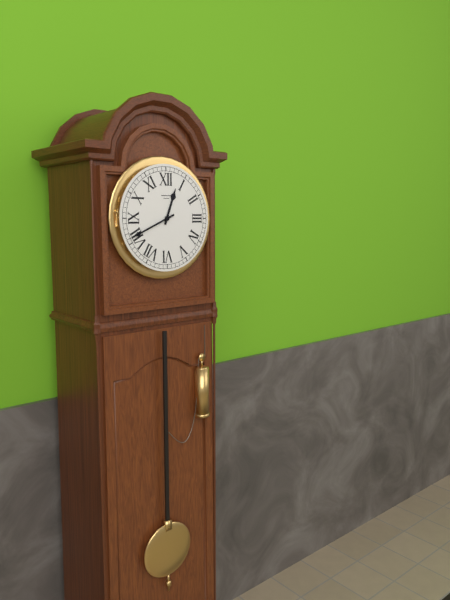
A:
12 h 41 min
